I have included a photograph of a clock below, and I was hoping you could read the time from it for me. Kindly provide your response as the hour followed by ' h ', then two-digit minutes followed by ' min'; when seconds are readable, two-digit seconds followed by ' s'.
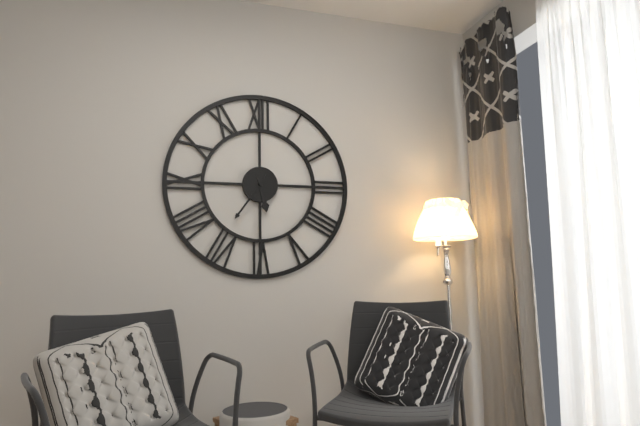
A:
5 h 36 min
